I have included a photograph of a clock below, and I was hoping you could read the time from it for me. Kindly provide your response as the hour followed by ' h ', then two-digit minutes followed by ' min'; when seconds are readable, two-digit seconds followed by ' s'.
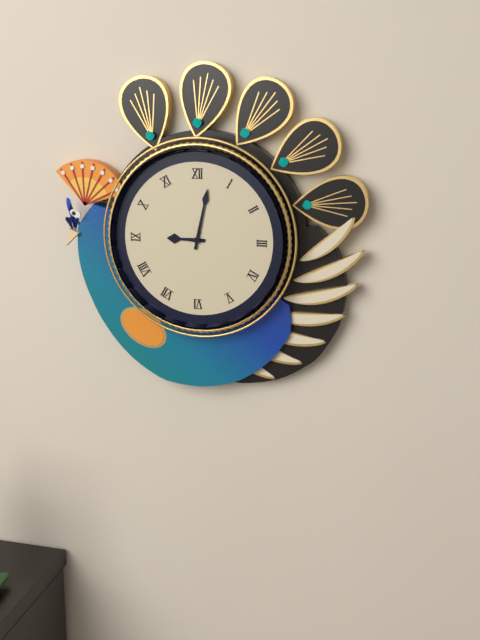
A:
9 h 02 min
